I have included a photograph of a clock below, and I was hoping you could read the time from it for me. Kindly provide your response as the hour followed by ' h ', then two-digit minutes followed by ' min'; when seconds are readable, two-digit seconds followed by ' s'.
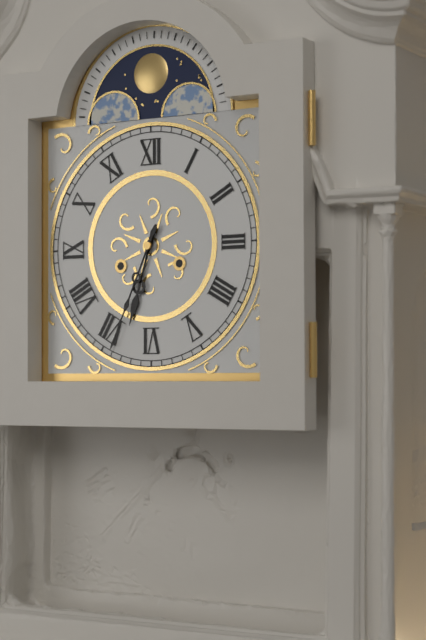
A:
6 h 34 min
